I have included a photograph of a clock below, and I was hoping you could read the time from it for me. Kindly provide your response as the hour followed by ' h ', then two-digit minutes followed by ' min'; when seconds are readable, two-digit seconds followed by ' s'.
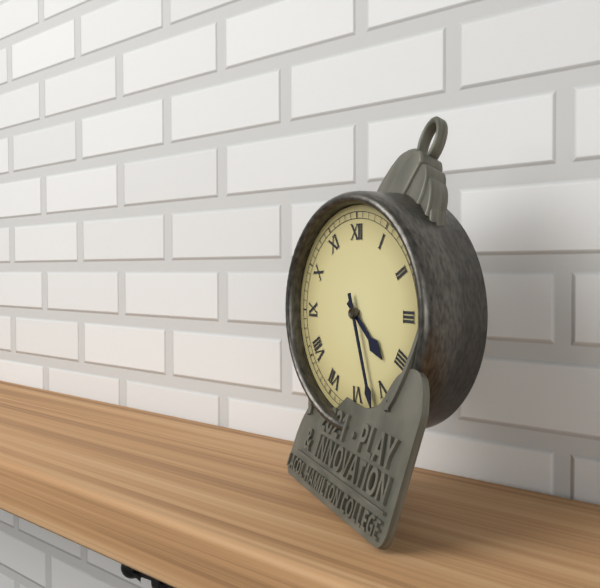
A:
4 h 27 min
